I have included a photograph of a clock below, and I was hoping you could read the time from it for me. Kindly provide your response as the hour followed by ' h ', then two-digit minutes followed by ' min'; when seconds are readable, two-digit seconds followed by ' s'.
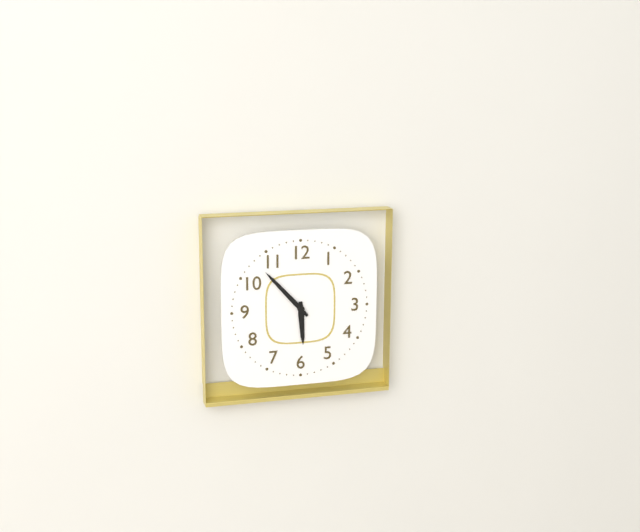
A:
5 h 53 min
